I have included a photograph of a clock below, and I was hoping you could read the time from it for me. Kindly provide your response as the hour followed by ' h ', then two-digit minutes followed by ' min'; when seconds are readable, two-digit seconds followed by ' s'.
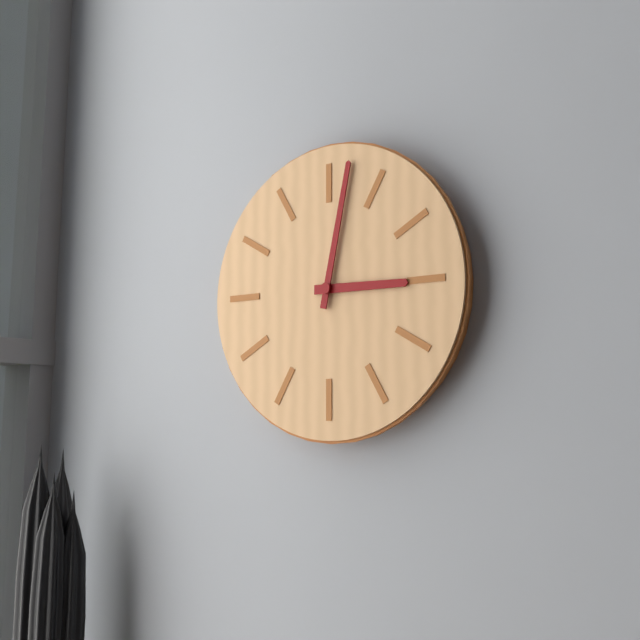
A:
3 h 02 min
